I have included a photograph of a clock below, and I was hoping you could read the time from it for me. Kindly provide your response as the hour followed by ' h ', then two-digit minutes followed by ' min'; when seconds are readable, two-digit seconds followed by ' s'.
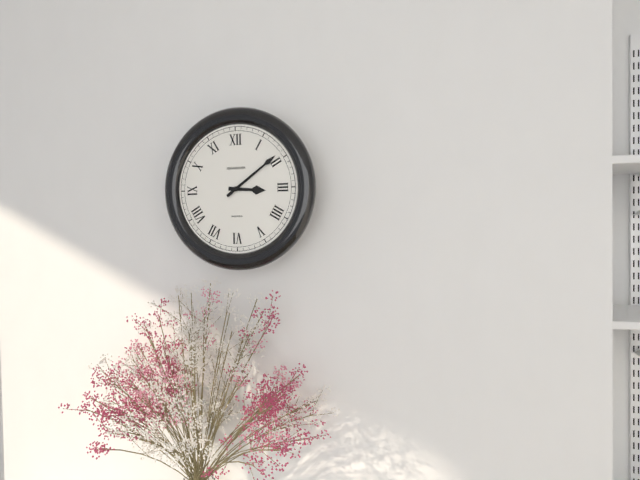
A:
3 h 09 min
